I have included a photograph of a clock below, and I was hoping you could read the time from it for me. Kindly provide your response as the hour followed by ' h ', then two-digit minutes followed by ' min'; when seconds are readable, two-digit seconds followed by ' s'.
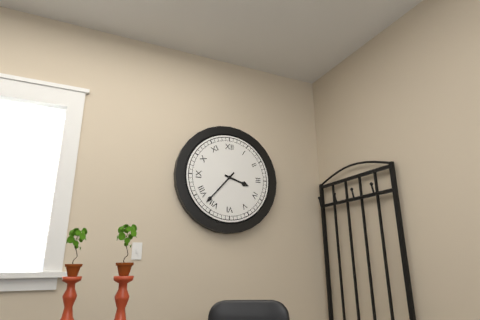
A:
3 h 37 min
